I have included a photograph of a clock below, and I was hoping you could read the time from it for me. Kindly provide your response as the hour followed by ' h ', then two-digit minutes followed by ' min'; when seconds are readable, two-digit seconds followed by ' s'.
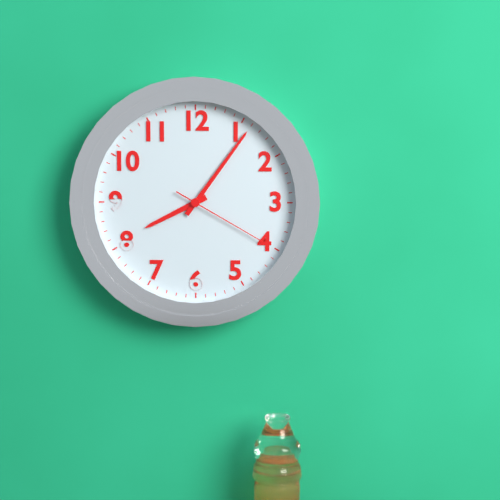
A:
8 h 06 min 20 s
